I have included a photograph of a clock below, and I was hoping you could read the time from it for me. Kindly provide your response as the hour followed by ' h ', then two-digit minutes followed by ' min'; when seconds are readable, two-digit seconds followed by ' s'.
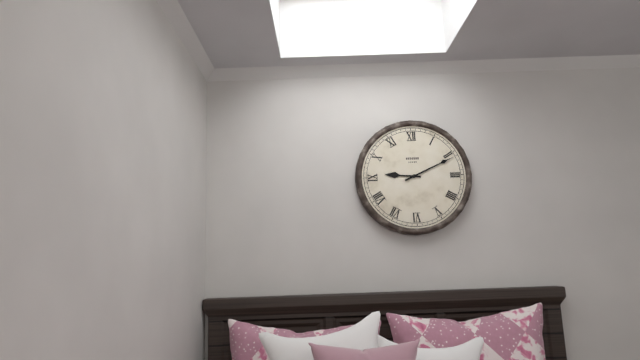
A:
9 h 11 min
